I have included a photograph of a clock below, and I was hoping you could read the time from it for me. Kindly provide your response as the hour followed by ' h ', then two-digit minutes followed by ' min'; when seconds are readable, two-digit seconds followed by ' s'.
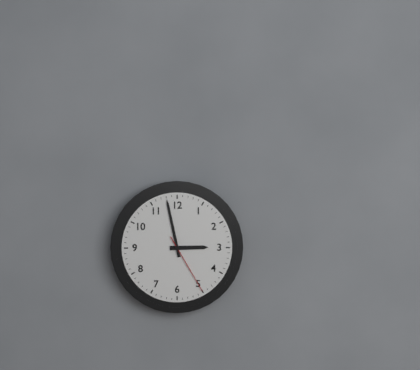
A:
2 h 58 min 25 s
